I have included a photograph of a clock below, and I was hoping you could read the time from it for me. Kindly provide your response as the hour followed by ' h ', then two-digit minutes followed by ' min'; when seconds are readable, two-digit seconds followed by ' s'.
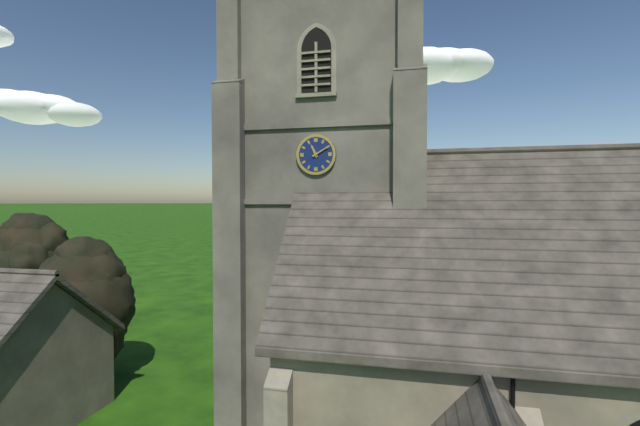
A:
11 h 10 min
